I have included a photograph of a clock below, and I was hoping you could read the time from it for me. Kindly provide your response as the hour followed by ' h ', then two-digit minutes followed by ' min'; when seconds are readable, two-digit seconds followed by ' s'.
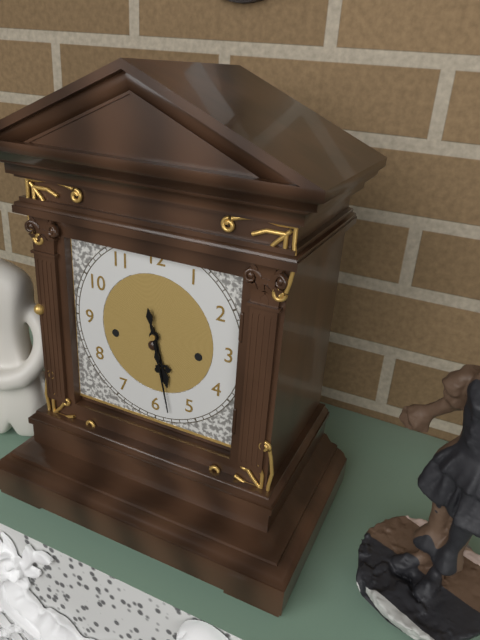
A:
5 h 28 min
